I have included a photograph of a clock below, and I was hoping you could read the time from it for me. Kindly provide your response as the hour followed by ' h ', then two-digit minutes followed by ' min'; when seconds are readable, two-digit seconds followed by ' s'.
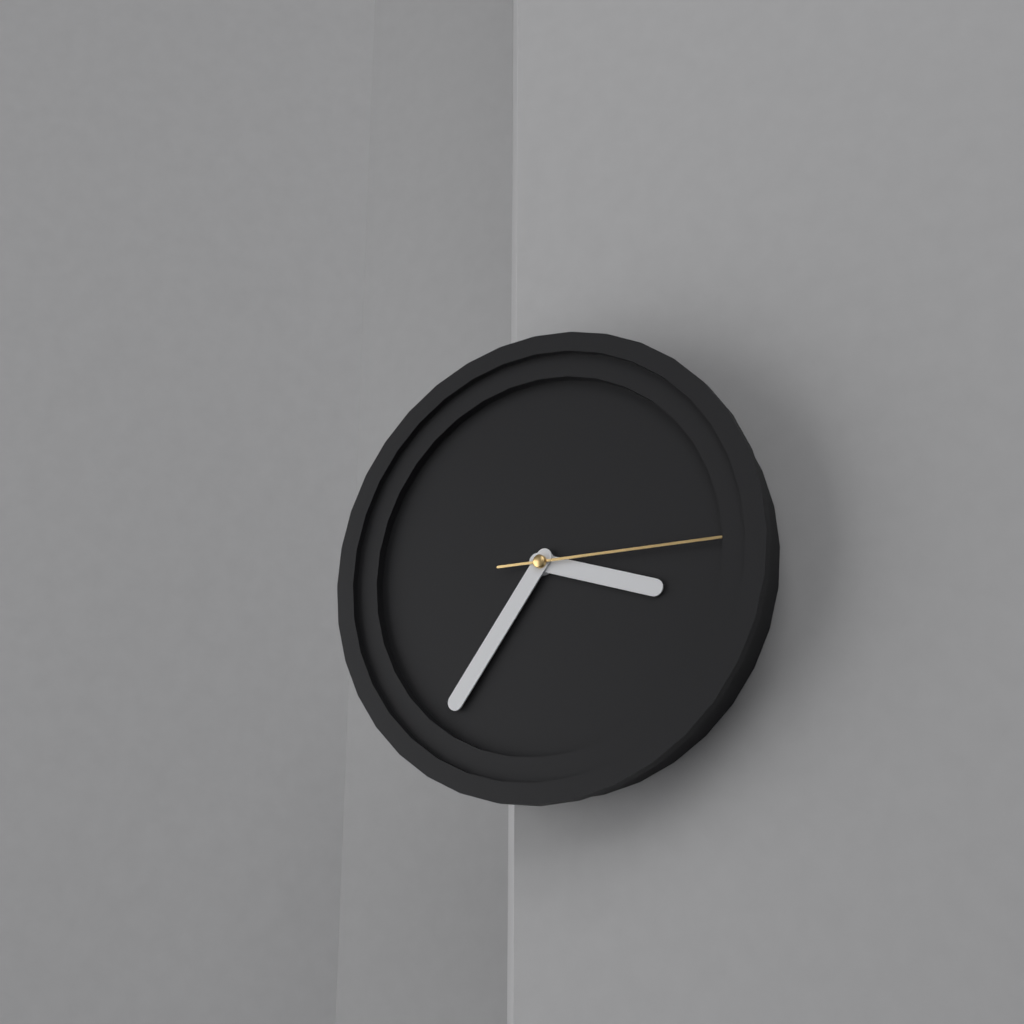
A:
3 h 36 min 15 s
